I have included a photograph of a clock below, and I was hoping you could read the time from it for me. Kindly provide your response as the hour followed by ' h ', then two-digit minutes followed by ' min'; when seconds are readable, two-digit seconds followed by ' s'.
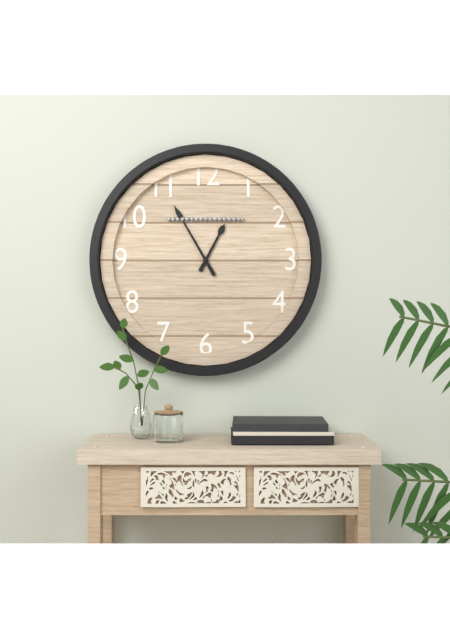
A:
12 h 55 min
